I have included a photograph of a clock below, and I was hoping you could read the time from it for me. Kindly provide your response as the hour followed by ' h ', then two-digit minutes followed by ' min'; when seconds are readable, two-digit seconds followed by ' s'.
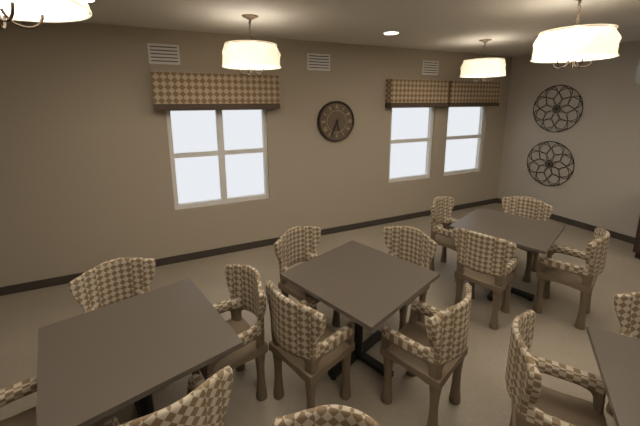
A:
5 h 34 min
